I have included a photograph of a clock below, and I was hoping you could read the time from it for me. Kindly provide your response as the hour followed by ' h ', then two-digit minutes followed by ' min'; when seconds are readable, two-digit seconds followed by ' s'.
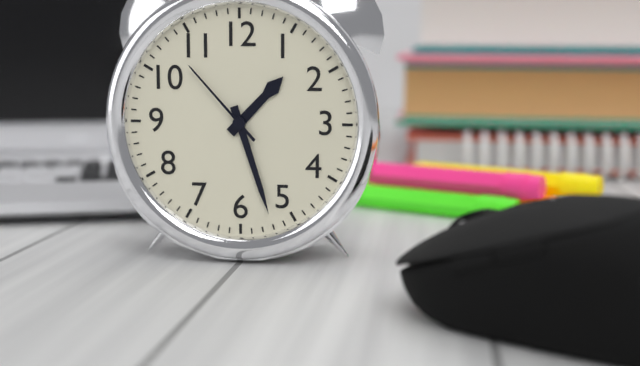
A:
1 h 27 min 53 s
